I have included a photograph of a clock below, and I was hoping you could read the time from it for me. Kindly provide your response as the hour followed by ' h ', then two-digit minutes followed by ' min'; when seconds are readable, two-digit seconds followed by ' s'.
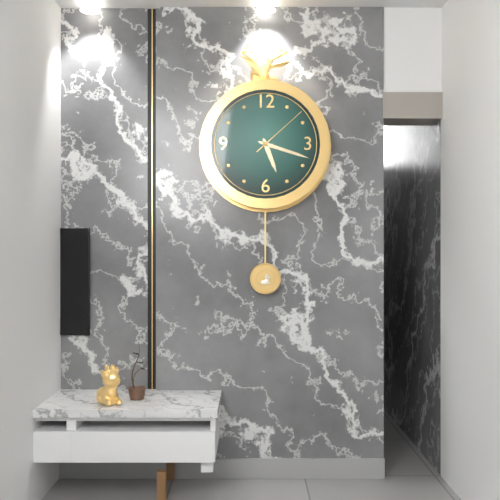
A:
5 h 18 min 08 s
